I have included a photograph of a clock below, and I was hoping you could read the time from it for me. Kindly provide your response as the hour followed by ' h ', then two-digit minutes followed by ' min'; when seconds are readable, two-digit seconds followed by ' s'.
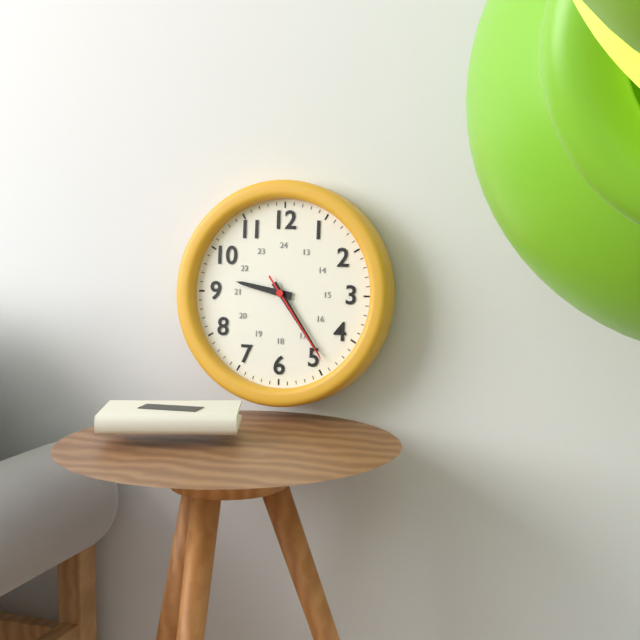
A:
9 h 24 min 24 s
